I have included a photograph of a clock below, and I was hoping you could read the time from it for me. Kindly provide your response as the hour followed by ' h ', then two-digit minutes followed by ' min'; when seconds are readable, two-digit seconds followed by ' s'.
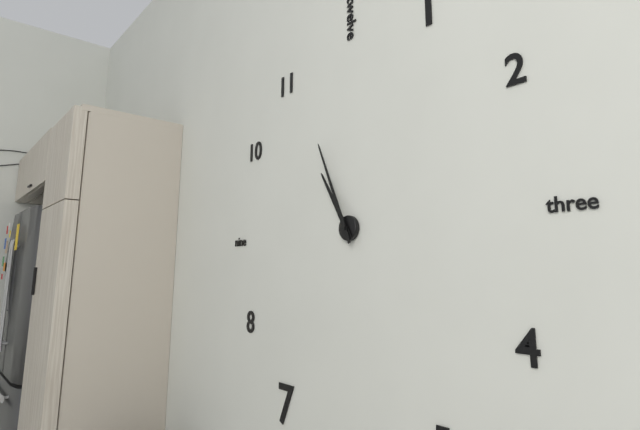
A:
10 h 56 min
